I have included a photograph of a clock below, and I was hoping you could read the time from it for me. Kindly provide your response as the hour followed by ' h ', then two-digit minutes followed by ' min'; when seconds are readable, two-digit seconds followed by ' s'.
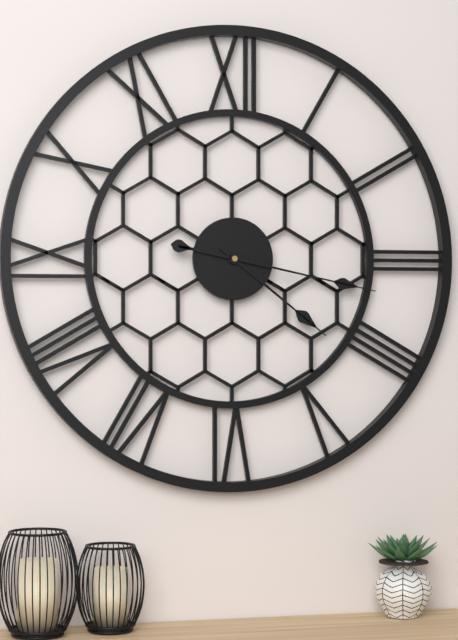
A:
4 h 17 min
